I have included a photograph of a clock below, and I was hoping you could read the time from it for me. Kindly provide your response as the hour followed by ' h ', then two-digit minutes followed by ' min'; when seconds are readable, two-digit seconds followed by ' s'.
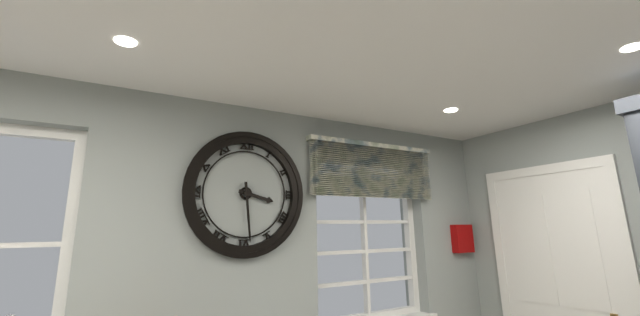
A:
3 h 29 min
